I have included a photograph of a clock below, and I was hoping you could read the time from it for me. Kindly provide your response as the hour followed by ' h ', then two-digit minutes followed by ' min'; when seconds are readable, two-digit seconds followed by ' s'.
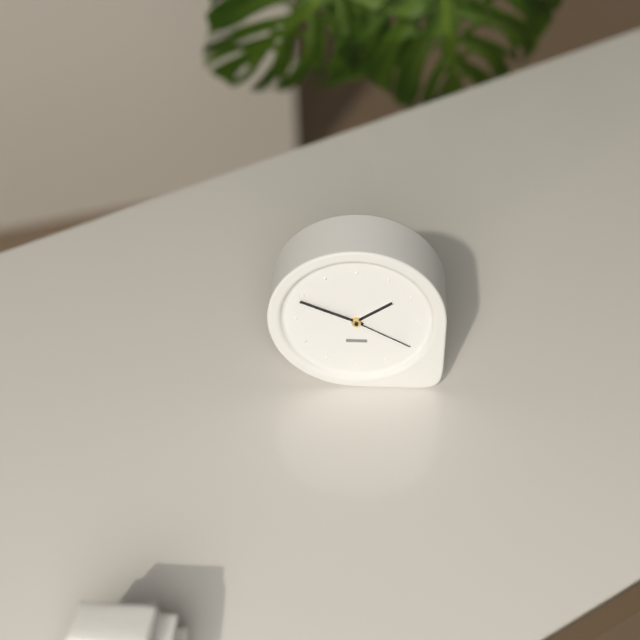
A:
1 h 49 min 20 s
